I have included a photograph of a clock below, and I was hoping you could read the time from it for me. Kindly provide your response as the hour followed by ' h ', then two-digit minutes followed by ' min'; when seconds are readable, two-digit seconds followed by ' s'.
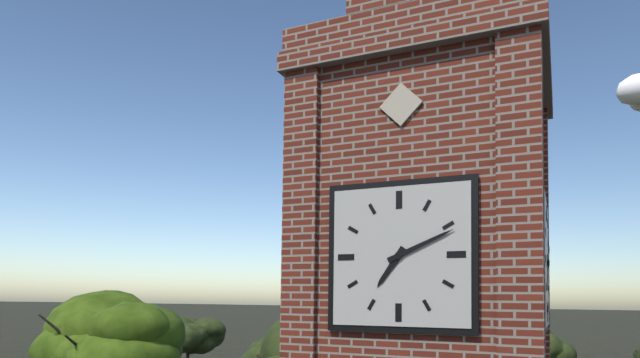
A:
7 h 11 min
